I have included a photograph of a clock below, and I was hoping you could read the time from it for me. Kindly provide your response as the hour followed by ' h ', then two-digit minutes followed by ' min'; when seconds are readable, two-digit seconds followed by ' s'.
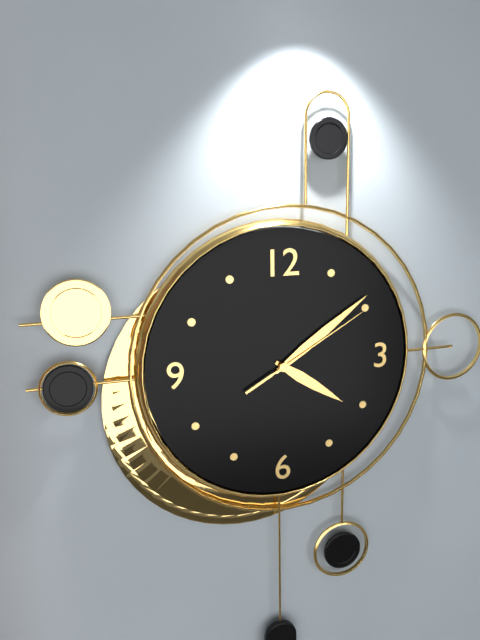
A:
4 h 09 min 10 s
